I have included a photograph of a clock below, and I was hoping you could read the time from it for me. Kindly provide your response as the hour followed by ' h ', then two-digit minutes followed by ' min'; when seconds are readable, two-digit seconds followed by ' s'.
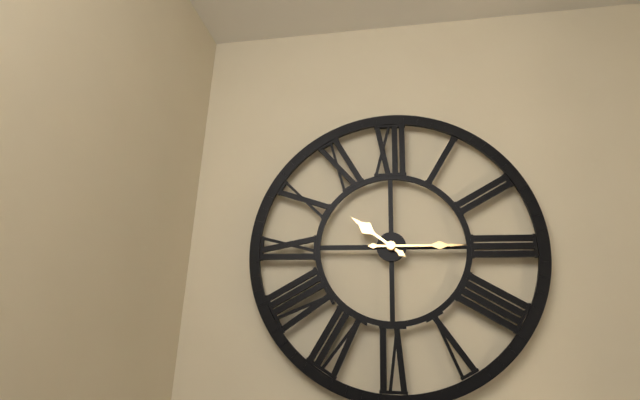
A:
10 h 15 min
